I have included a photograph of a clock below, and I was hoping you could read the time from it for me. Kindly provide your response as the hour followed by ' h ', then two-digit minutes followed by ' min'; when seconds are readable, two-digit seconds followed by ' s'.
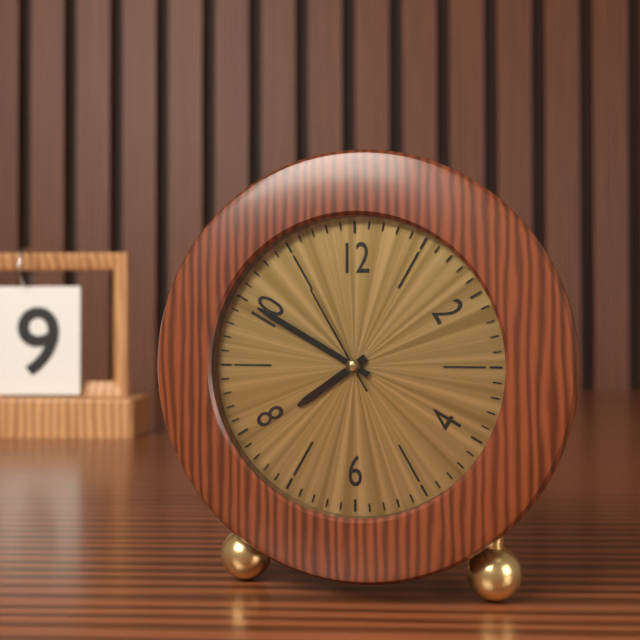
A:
7 h 50 min 55 s
